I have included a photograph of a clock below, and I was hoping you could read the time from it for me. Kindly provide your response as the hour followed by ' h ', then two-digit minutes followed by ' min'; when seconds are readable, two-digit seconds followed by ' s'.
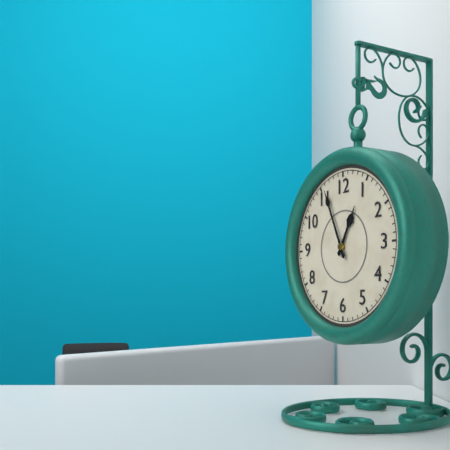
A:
12 h 56 min
